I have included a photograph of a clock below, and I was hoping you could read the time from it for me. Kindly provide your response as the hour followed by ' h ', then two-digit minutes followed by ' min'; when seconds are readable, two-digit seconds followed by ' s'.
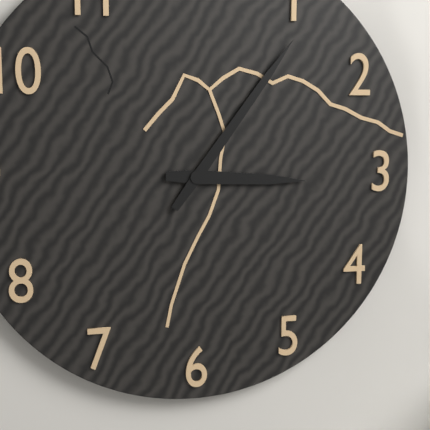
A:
3 h 06 min
